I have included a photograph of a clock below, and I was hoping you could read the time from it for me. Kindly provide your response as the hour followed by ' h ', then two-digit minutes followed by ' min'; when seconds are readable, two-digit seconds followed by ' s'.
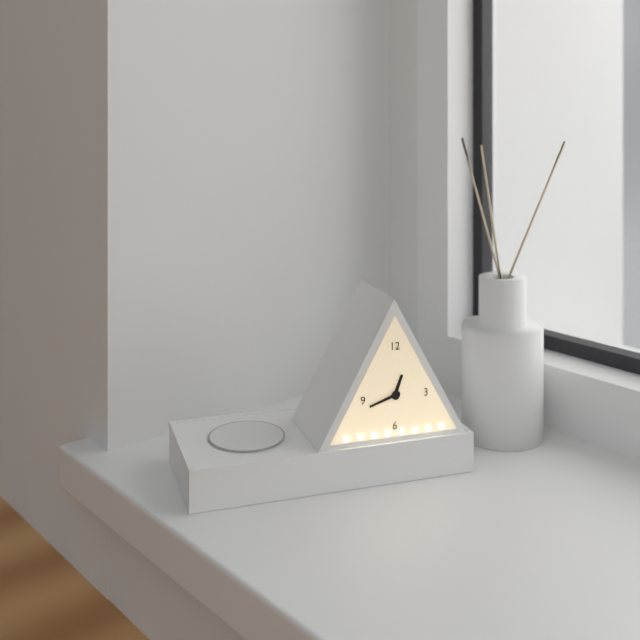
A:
12 h 42 min
